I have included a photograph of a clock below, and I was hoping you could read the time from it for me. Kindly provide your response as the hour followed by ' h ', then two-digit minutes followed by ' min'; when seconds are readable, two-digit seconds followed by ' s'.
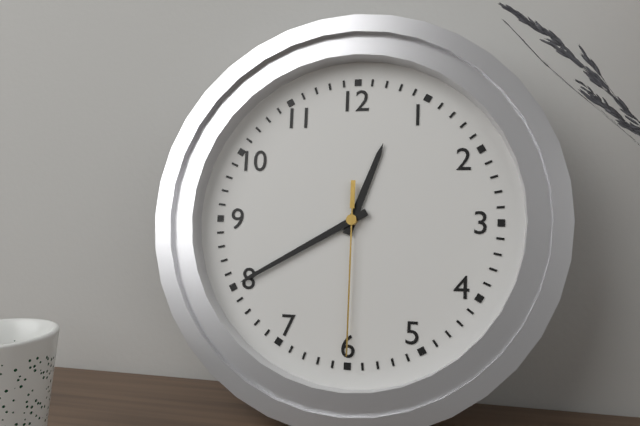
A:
12 h 40 min 30 s
